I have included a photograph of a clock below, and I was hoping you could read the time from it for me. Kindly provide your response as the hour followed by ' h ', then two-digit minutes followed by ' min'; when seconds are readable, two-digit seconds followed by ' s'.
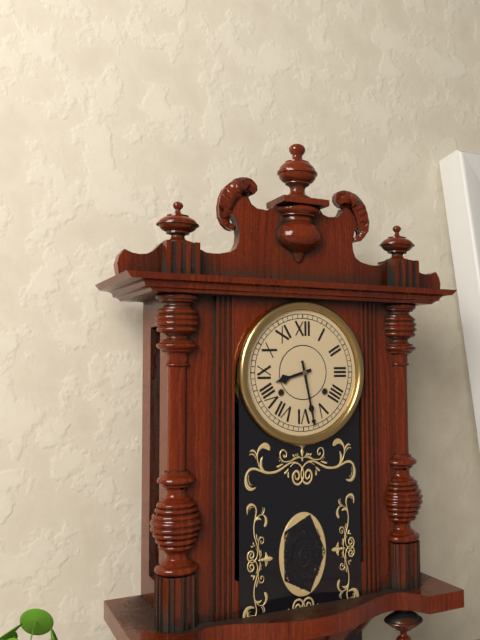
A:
8 h 28 min
